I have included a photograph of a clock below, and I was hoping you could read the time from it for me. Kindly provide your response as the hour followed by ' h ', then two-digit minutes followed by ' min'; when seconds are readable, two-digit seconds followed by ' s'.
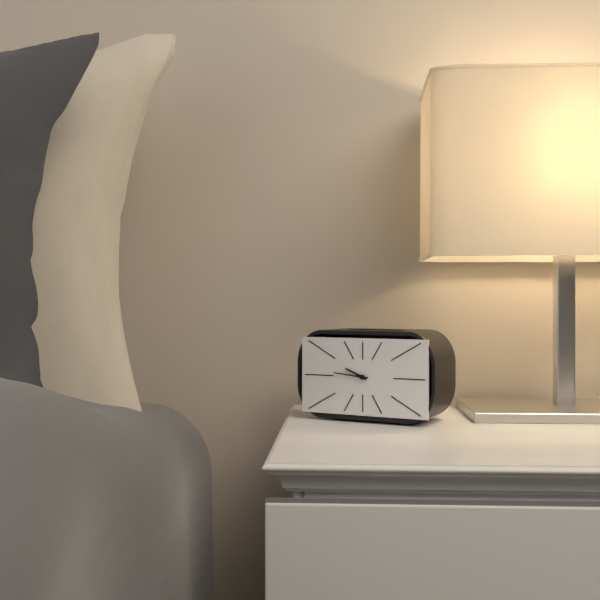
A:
9 h 46 min
